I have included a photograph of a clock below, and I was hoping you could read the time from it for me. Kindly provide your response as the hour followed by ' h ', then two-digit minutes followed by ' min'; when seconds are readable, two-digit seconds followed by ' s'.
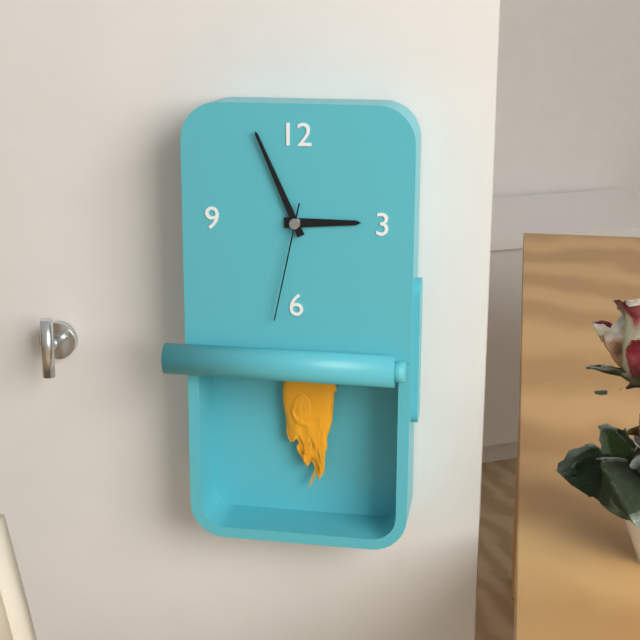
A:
2 h 56 min 32 s
